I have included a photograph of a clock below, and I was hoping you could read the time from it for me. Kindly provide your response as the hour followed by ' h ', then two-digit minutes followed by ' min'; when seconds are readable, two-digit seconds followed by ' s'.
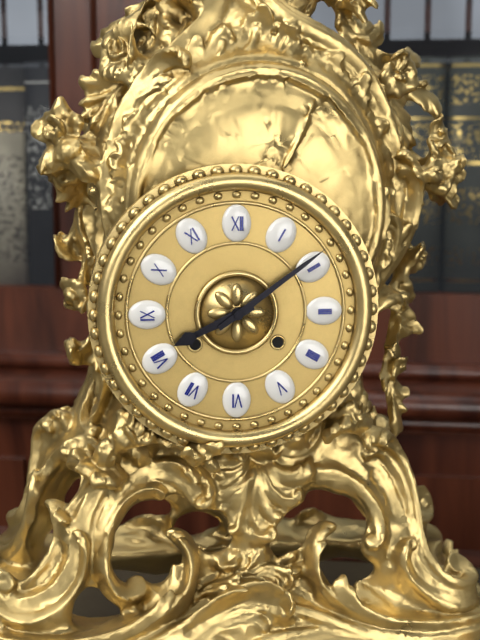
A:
8 h 09 min
